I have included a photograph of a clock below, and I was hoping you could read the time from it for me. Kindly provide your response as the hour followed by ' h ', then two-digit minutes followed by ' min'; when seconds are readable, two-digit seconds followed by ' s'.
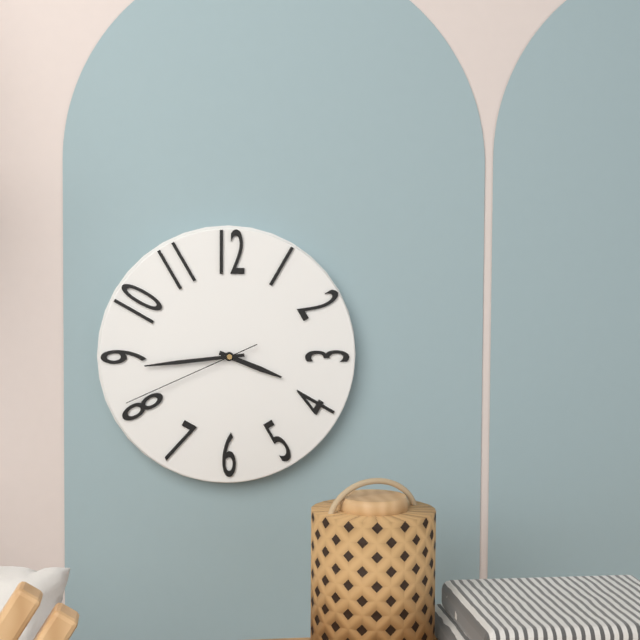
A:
3 h 44 min 41 s
